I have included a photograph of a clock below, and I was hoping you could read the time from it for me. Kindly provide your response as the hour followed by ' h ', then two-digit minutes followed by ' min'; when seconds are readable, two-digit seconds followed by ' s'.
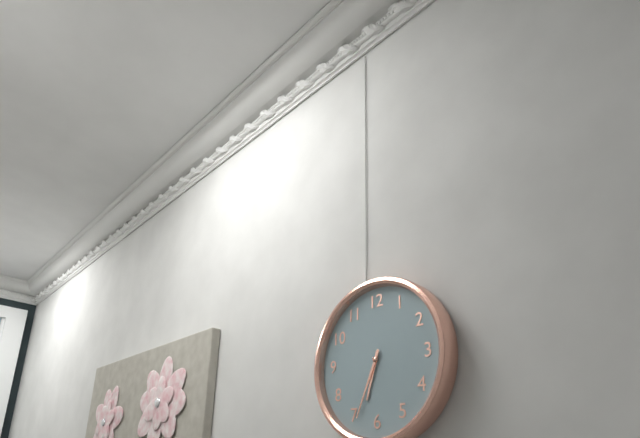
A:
6 h 34 min
